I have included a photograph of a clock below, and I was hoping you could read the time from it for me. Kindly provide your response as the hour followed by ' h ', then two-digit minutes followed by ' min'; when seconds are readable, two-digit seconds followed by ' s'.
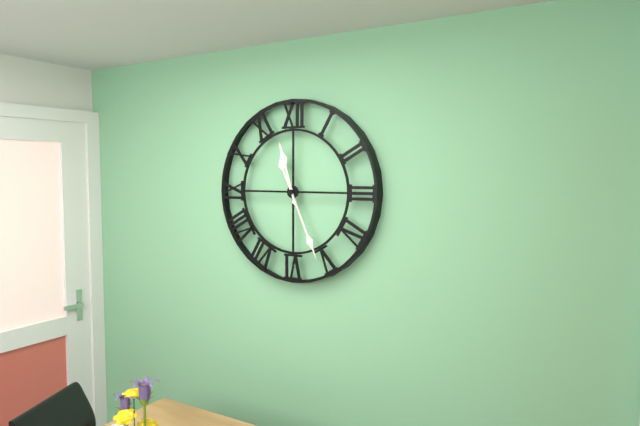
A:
11 h 26 min
